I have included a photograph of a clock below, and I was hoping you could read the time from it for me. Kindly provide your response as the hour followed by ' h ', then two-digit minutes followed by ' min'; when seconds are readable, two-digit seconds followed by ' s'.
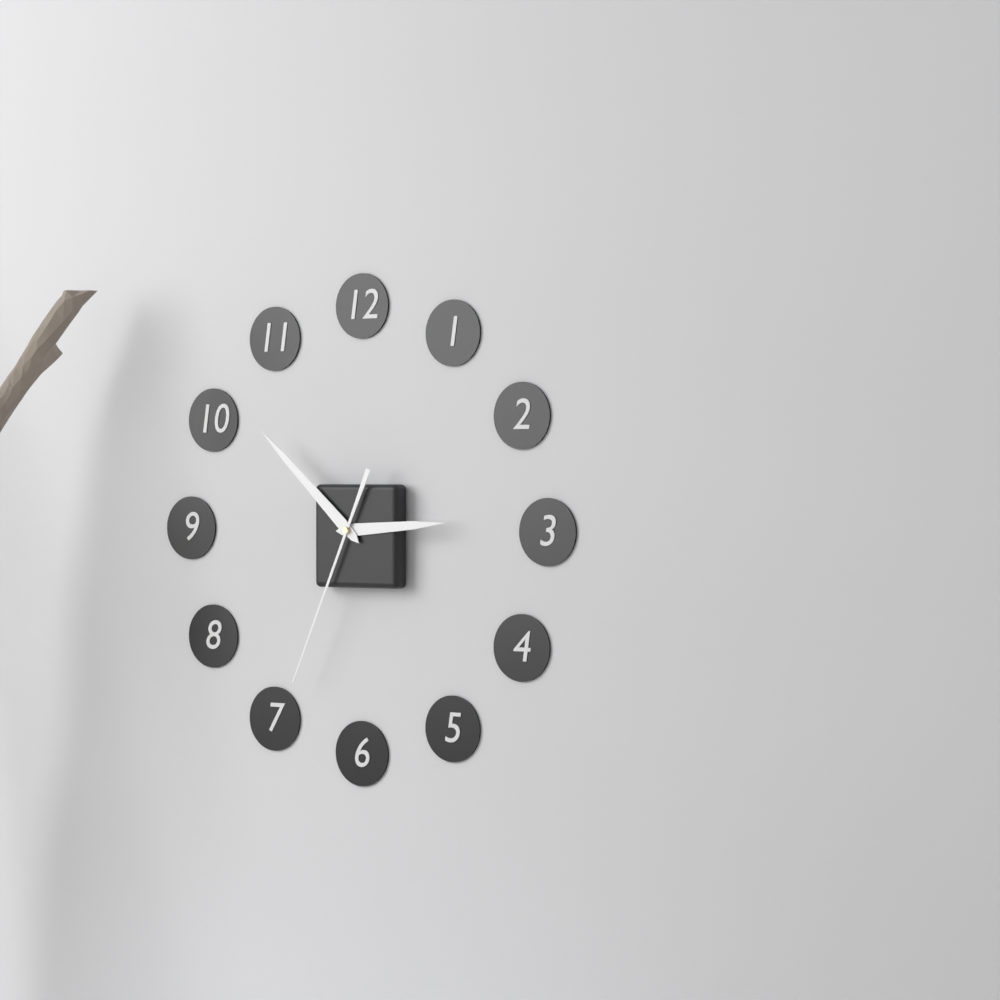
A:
2 h 52 min 34 s
